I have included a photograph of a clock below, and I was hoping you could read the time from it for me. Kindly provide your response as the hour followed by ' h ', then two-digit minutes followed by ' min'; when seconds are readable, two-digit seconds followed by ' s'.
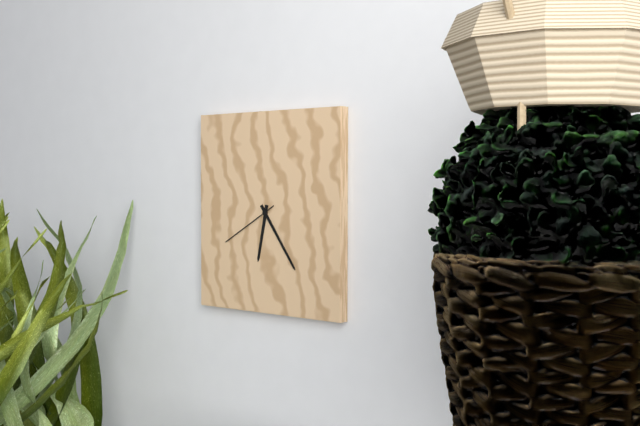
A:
6 h 24 min 40 s
